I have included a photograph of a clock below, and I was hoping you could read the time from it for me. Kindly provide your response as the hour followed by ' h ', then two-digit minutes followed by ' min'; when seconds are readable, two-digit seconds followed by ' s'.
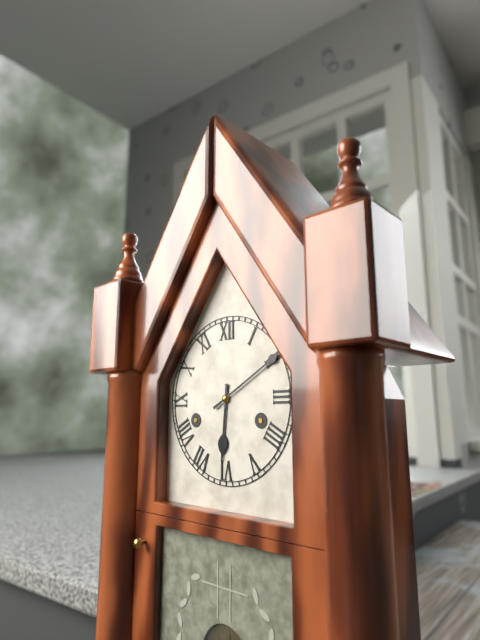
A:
6 h 10 min
